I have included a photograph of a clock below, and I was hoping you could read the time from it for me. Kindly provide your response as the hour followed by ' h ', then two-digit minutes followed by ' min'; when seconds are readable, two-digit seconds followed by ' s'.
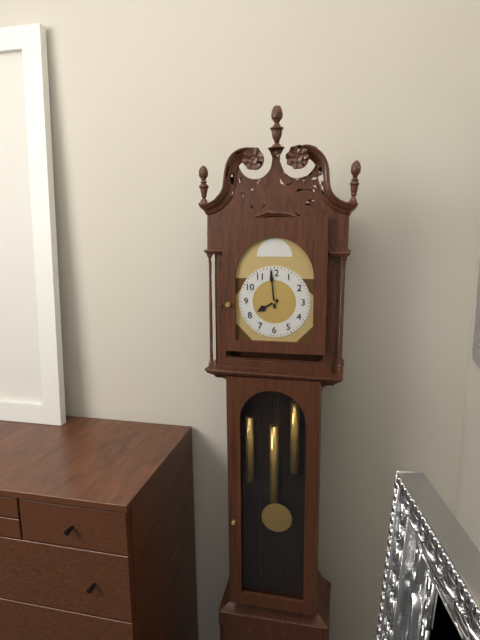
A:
7 h 59 min
